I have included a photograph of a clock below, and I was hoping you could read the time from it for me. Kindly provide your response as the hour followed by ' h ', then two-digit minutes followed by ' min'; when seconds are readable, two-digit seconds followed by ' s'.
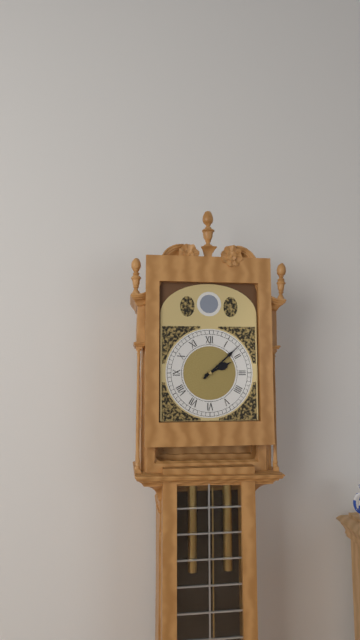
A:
2 h 08 min
